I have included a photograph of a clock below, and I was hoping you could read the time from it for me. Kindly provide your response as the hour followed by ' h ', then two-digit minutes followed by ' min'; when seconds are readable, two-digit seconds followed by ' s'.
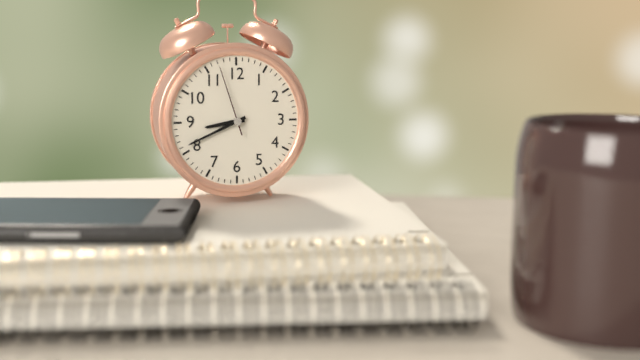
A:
8 h 41 min 57 s
